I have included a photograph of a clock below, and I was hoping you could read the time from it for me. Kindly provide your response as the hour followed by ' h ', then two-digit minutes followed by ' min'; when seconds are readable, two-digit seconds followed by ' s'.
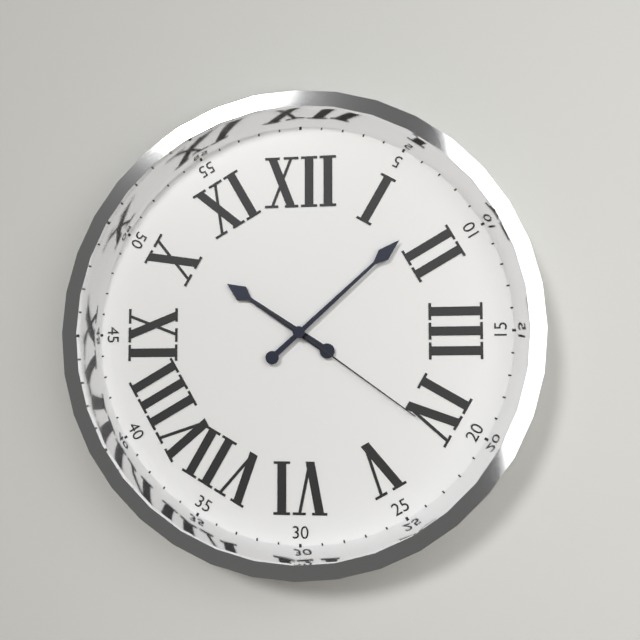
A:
10 h 08 min 21 s
